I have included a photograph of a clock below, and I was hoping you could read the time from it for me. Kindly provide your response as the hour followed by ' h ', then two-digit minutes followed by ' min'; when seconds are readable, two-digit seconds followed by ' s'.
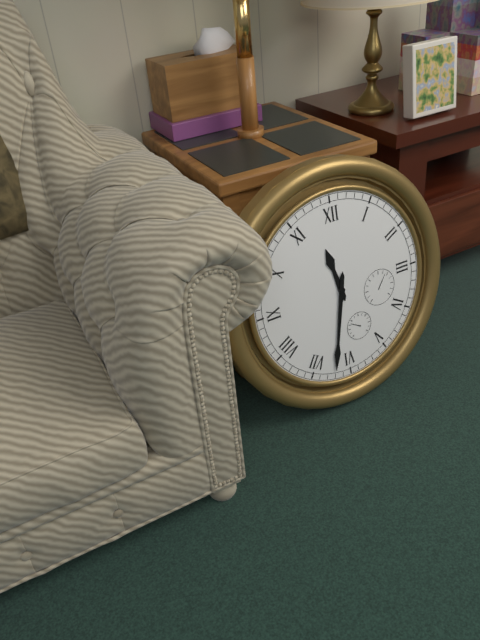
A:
11 h 32 min
